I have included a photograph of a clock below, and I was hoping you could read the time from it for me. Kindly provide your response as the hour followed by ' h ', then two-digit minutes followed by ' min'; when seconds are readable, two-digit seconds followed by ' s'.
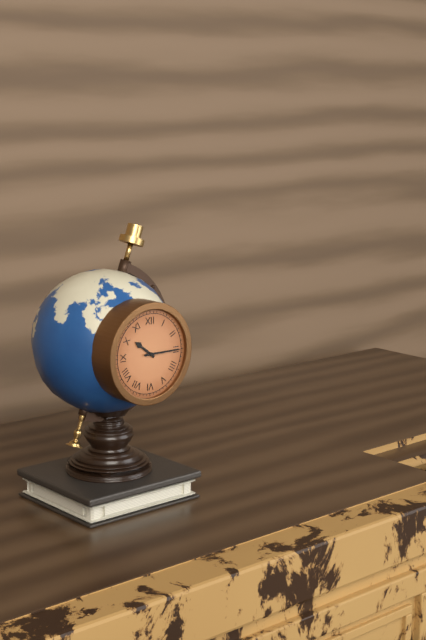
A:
10 h 15 min
